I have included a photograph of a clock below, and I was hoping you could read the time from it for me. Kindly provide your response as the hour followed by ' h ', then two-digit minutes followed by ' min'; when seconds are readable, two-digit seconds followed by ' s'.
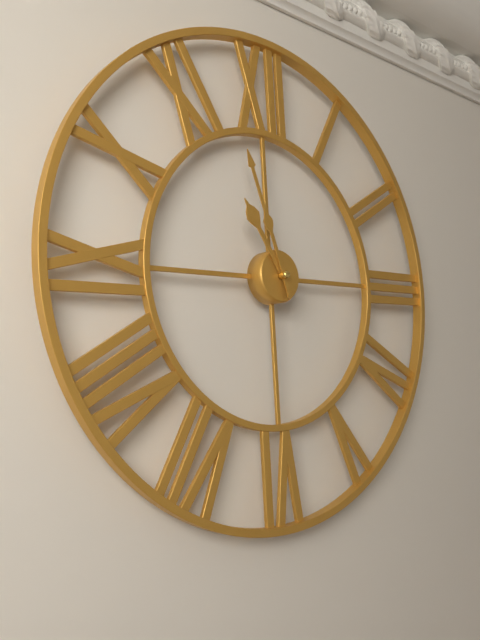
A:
10 h 57 min
